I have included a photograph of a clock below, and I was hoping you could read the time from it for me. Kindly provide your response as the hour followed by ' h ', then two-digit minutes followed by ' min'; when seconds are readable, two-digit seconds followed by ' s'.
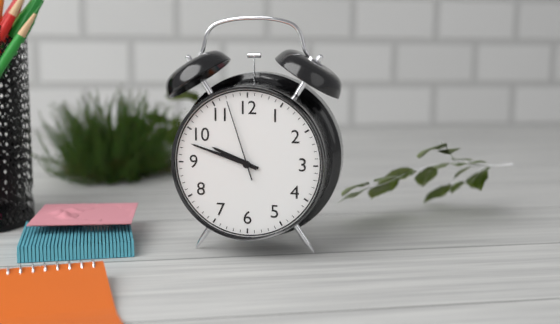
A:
9 h 48 min 57 s
